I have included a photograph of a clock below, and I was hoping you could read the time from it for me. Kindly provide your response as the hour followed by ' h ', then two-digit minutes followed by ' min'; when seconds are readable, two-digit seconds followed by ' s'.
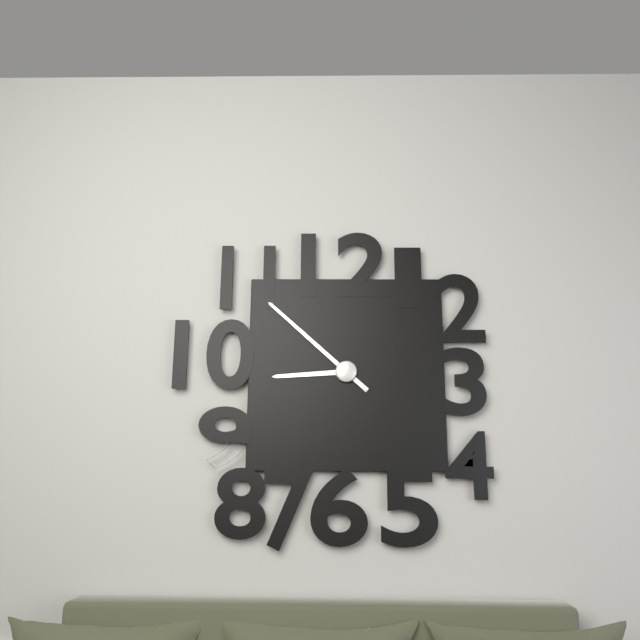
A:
8 h 52 min
